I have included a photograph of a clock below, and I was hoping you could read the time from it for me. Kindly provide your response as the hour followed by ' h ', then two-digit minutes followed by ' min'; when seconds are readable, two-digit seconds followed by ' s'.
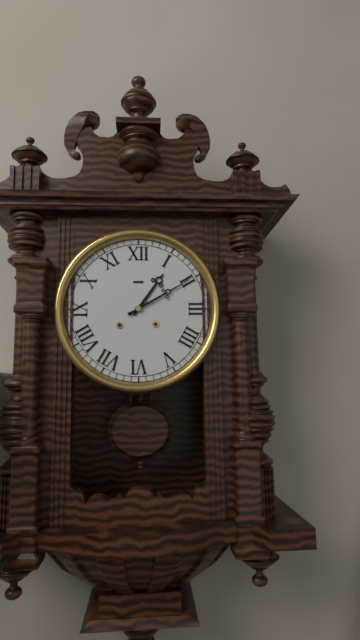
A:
1 h 10 min
